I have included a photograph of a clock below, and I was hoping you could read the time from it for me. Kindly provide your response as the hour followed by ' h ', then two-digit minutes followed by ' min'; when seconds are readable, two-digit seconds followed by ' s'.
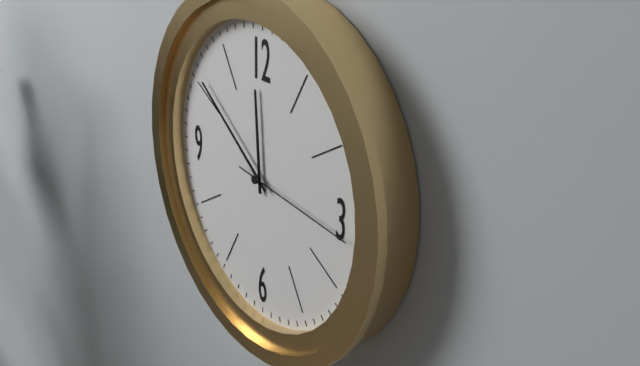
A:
11 h 51 min 16 s
